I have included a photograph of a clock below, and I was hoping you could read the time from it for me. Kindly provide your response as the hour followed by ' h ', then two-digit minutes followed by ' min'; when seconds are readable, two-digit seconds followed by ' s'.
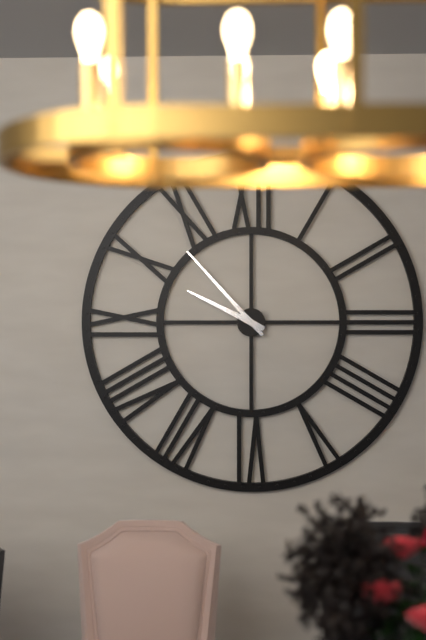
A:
9 h 53 min
